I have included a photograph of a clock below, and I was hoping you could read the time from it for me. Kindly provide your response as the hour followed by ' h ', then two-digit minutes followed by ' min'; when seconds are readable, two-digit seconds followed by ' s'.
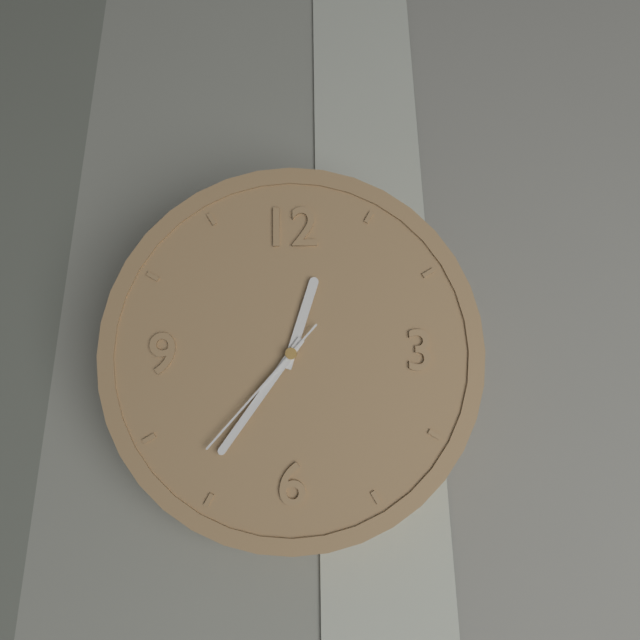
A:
12 h 36 min 37 s
